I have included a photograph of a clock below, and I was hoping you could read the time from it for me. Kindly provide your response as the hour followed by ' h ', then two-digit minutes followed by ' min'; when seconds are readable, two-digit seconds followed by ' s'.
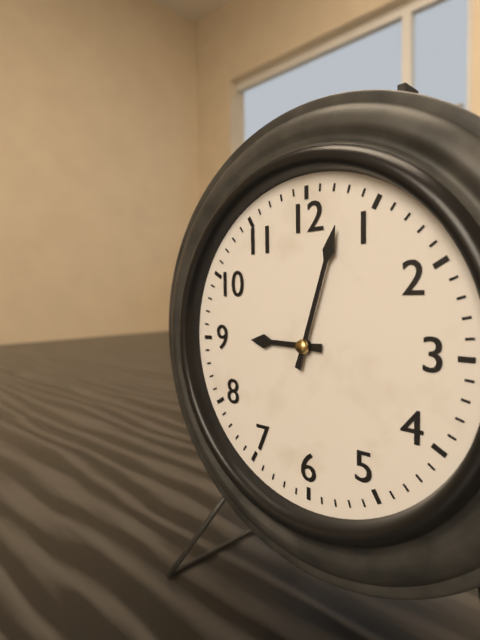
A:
9 h 03 min
